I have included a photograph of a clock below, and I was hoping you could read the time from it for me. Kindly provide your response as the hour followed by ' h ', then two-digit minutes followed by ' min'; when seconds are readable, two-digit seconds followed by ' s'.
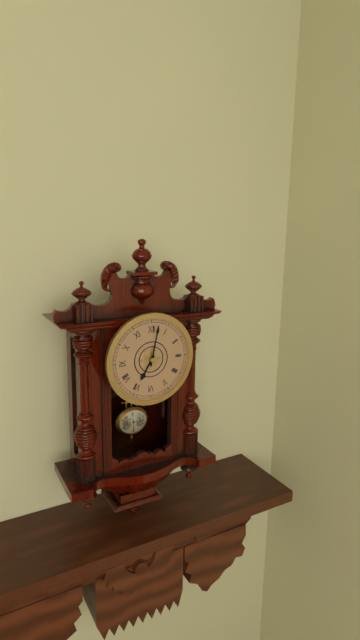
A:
7 h 02 min
